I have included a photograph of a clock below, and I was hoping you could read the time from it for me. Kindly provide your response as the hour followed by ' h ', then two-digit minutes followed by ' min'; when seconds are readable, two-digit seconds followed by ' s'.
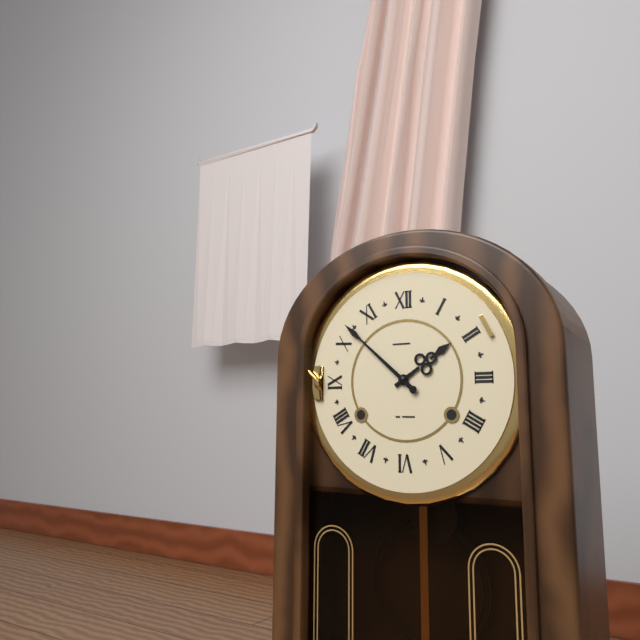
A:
1 h 52 min
